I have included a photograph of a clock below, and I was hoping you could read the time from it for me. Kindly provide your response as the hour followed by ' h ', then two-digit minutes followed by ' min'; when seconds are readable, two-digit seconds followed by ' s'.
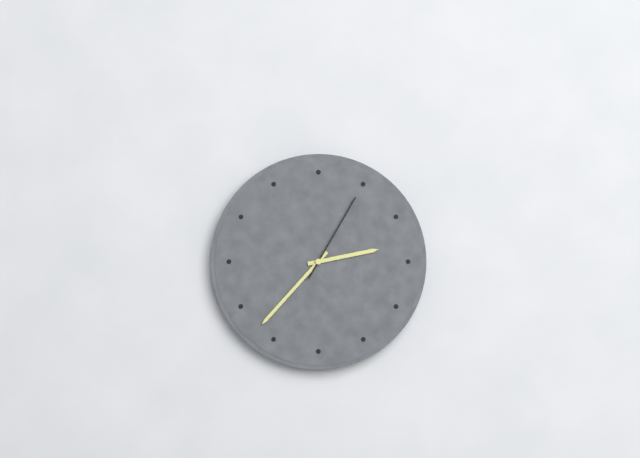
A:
2 h 37 min 05 s
